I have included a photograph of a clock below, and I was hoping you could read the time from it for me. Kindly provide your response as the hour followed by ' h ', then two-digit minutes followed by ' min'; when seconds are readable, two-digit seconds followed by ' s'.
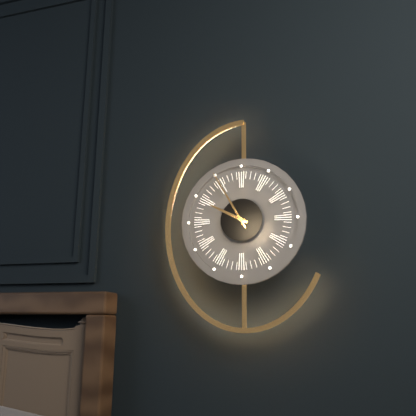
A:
9 h 55 min
